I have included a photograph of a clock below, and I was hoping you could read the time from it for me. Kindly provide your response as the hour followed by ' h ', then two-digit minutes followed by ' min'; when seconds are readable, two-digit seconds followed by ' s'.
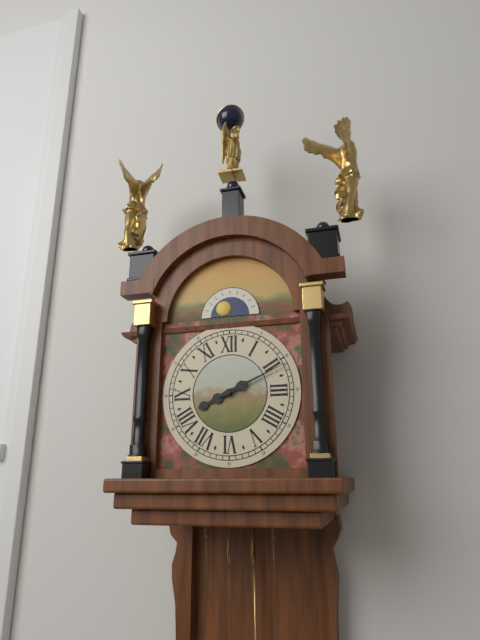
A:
8 h 11 min
